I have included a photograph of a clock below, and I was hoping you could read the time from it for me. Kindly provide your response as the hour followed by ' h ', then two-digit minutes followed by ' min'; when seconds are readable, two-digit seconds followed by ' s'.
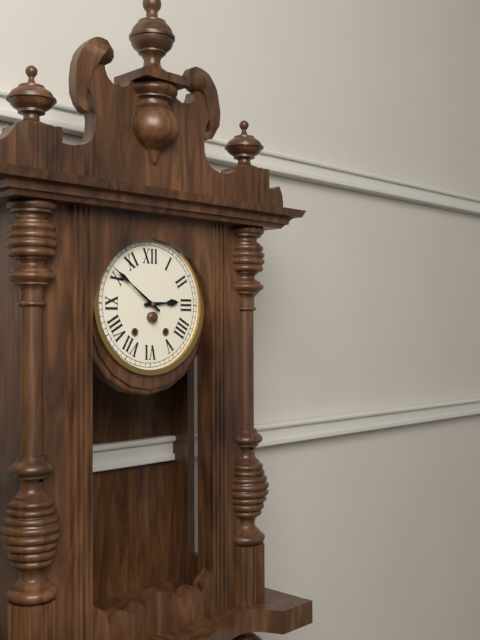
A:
2 h 51 min
